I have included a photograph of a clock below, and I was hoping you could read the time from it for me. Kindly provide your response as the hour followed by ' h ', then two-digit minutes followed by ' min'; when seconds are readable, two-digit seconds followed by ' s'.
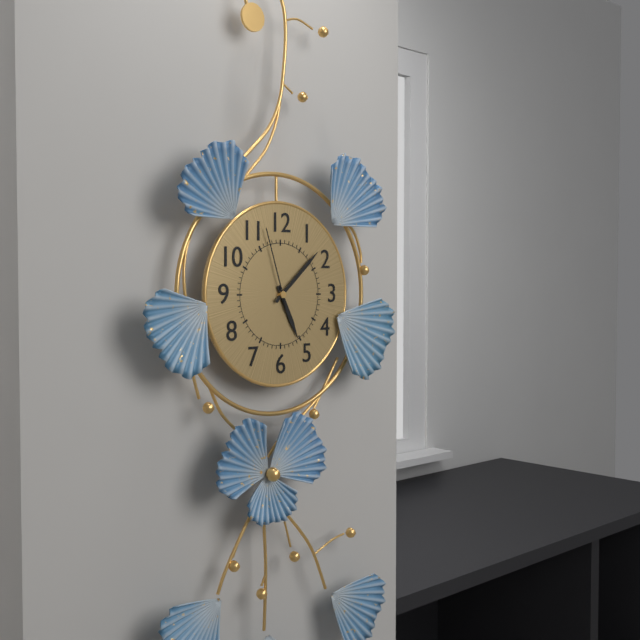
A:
5 h 08 min 57 s
